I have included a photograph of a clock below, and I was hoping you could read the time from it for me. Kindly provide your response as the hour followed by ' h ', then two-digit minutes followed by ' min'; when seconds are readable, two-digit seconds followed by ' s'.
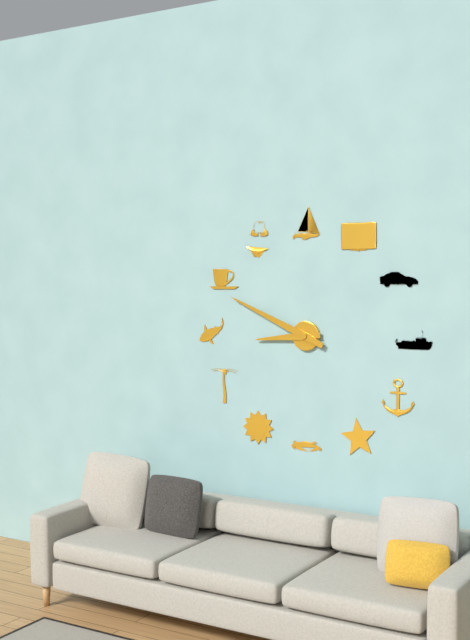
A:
8 h 49 min
